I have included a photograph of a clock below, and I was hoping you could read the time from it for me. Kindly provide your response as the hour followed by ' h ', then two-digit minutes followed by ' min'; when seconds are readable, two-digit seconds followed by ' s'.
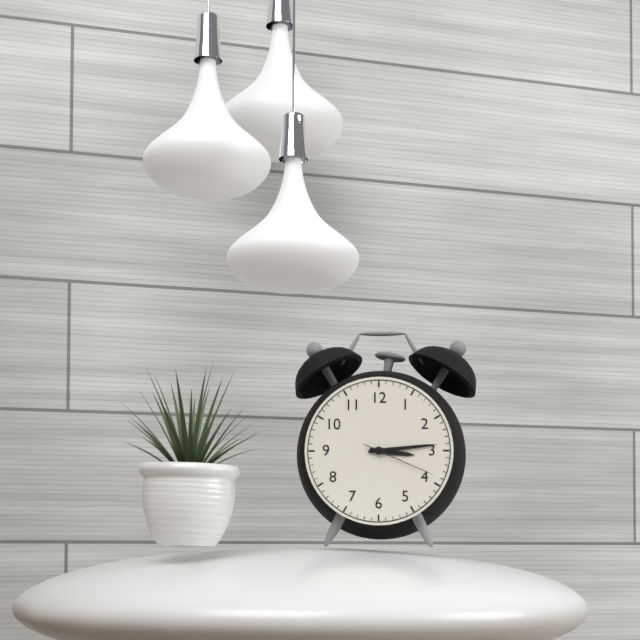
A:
3 h 14 min 19 s
